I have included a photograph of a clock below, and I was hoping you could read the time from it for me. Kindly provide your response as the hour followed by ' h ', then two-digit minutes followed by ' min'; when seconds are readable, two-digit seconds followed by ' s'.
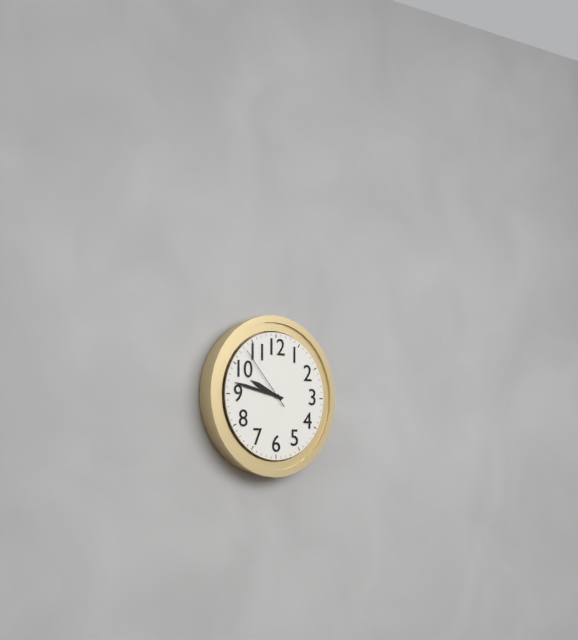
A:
9 h 47 min 53 s
